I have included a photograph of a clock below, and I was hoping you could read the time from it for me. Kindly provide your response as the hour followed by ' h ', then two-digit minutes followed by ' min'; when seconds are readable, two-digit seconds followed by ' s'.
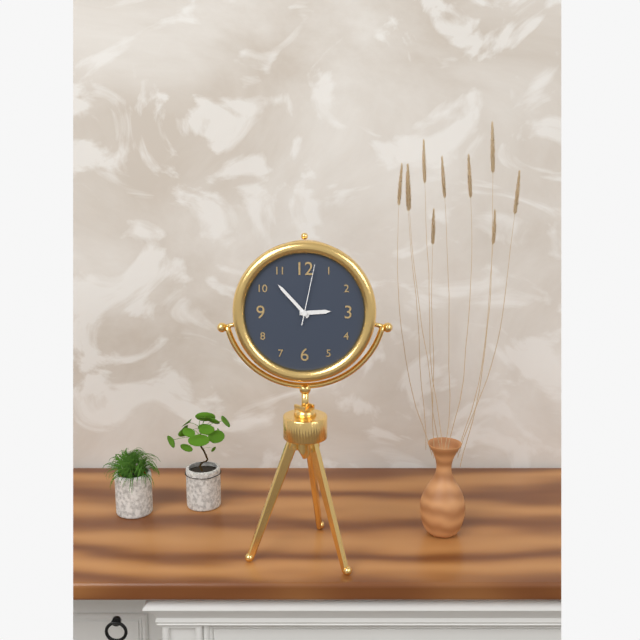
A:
2 h 53 min 02 s
